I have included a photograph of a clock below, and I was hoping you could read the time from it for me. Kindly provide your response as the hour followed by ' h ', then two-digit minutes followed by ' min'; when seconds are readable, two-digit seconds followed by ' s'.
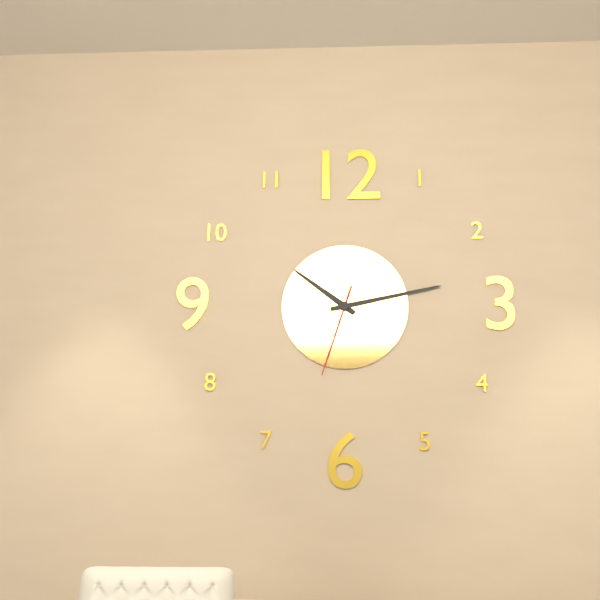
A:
10 h 13 min 33 s
